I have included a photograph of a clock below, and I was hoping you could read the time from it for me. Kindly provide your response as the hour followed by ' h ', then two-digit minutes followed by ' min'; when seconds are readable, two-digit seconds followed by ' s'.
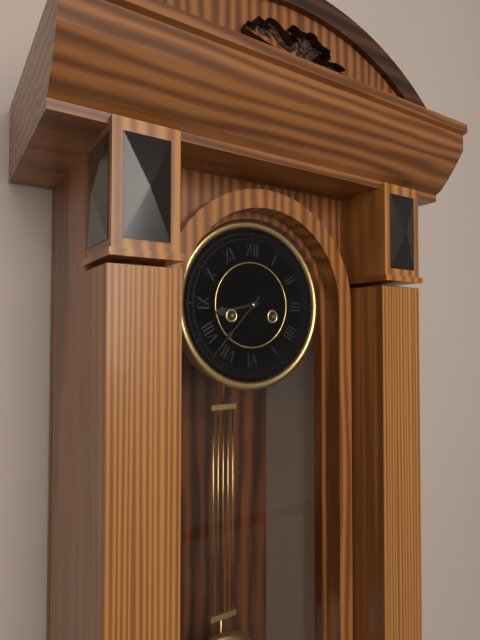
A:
8 h 37 min
